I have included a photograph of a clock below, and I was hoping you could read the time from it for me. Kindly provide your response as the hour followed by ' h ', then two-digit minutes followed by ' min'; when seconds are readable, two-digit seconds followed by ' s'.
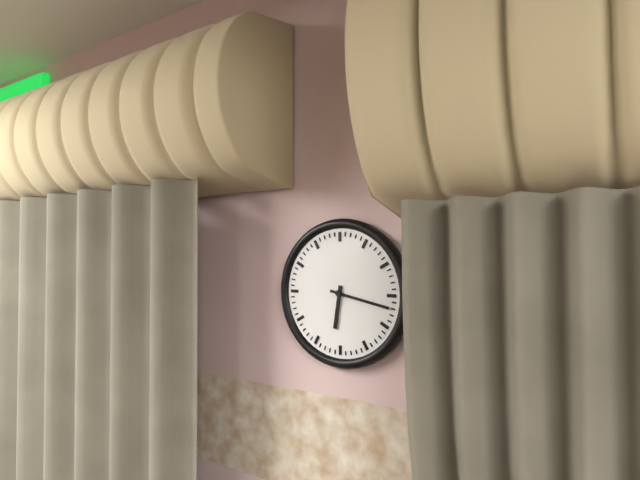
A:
6 h 17 min
